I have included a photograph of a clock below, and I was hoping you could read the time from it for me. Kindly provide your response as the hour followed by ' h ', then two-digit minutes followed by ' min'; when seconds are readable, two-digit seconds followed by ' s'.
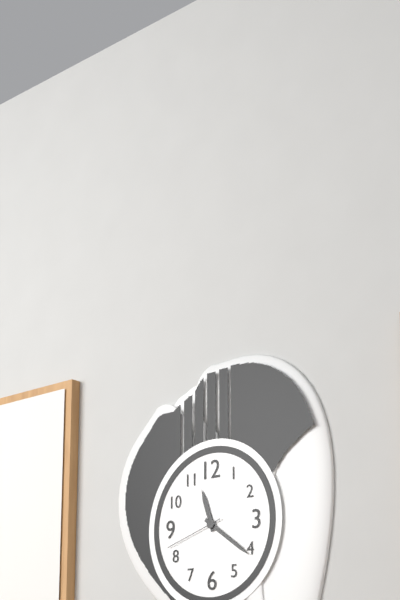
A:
11 h 21 min 42 s
